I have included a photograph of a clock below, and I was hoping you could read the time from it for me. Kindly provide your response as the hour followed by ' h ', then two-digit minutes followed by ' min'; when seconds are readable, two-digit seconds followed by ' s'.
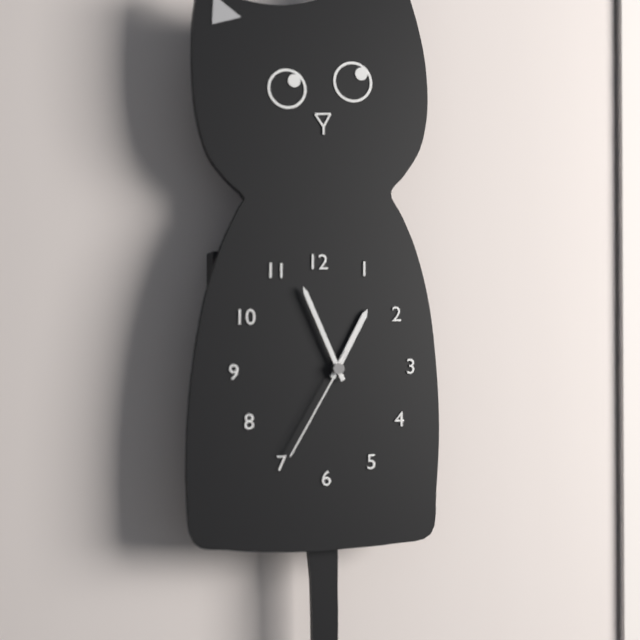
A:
12 h 56 min 35 s
